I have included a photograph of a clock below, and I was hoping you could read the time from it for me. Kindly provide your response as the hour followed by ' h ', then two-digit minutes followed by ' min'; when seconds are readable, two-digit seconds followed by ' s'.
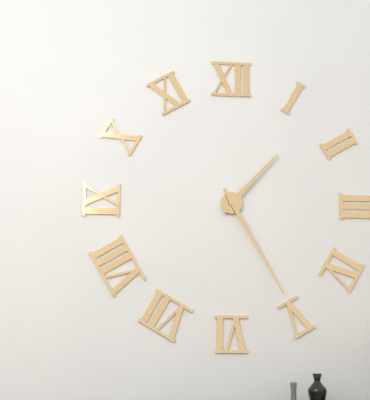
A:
1 h 25 min
